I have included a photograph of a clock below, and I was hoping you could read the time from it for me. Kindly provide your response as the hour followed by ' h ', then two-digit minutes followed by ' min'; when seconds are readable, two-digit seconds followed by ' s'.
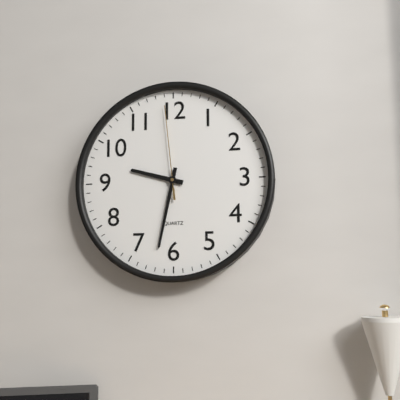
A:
9 h 32 min 59 s
